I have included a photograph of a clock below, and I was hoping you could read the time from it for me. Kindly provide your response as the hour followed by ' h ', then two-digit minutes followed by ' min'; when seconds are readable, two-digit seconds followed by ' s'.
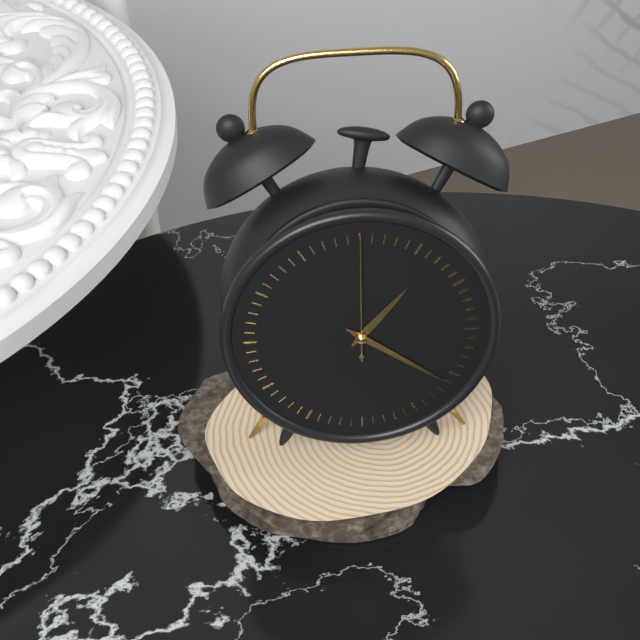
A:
1 h 21 min 00 s
